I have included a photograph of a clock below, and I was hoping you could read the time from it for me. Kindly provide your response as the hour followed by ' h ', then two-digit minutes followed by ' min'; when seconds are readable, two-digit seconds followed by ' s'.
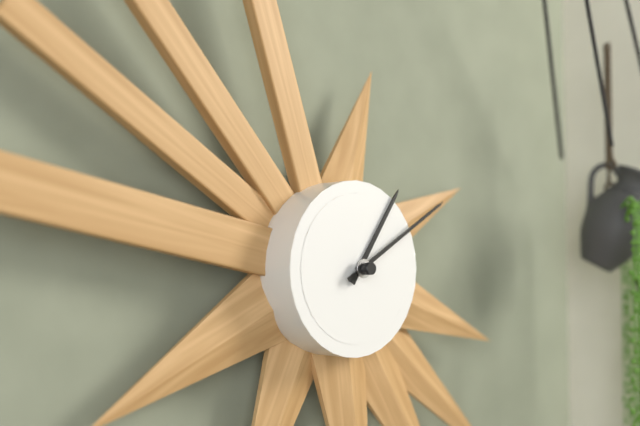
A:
1 h 10 min
